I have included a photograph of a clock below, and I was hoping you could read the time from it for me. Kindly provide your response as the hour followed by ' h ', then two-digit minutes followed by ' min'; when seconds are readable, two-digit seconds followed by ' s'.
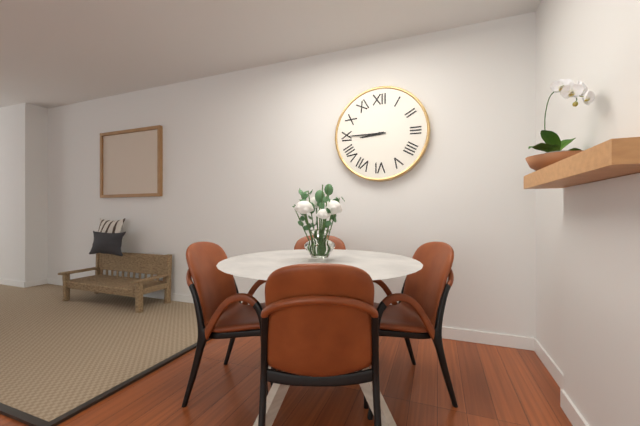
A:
8 h 45 min
